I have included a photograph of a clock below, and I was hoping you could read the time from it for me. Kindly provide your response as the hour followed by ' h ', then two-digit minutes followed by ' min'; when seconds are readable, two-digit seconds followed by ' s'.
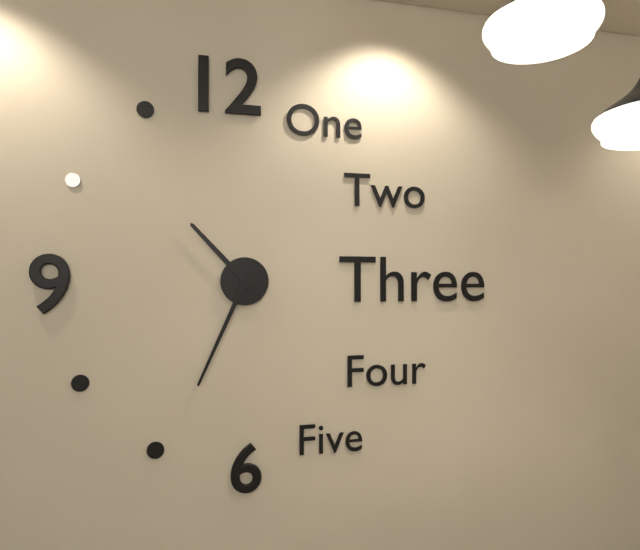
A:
10 h 34 min
